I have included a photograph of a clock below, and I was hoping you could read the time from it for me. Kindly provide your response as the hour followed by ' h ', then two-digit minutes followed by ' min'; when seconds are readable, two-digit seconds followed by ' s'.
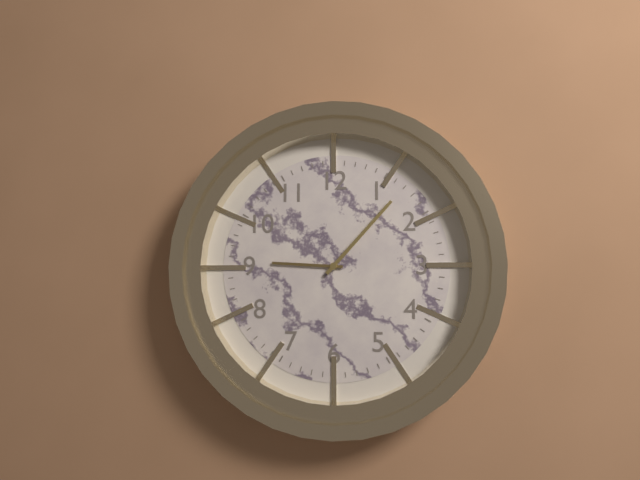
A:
9 h 07 min
